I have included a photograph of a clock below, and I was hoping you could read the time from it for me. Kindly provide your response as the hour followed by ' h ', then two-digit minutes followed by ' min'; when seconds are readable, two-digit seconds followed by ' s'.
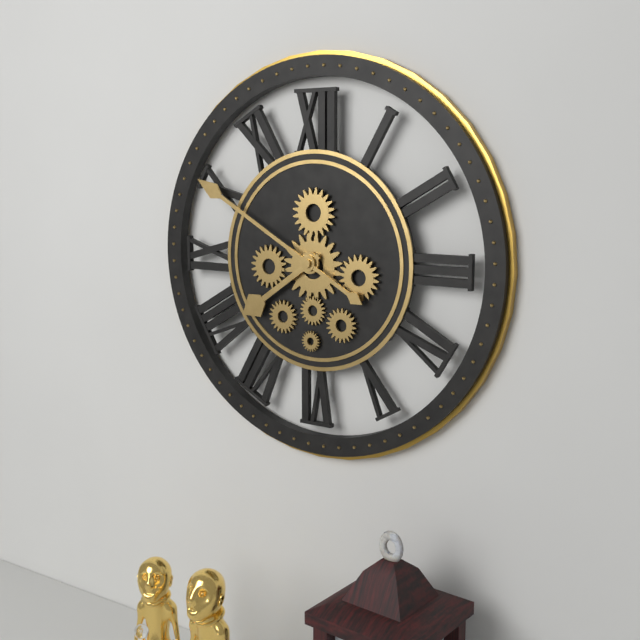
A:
7 h 50 min
